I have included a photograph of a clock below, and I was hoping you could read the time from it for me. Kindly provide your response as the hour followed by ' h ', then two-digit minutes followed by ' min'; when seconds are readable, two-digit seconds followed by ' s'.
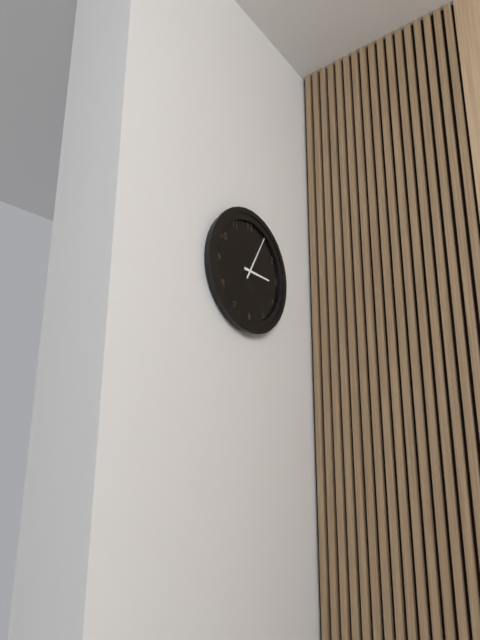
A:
3 h 05 min
